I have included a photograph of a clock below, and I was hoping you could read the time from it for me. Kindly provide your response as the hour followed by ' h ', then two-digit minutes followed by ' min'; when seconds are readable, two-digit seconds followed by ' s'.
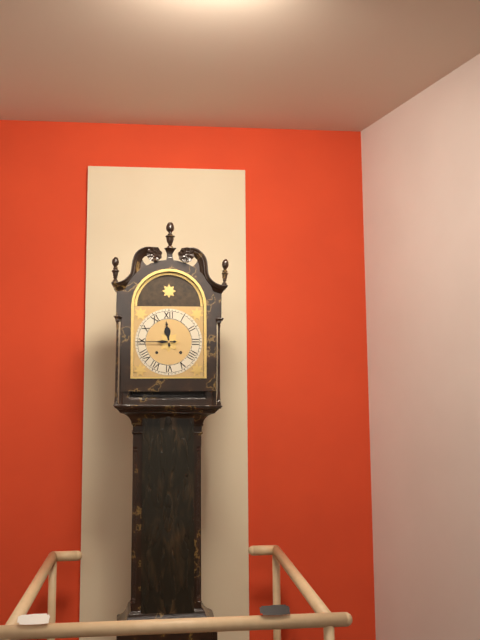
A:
11 h 45 min
